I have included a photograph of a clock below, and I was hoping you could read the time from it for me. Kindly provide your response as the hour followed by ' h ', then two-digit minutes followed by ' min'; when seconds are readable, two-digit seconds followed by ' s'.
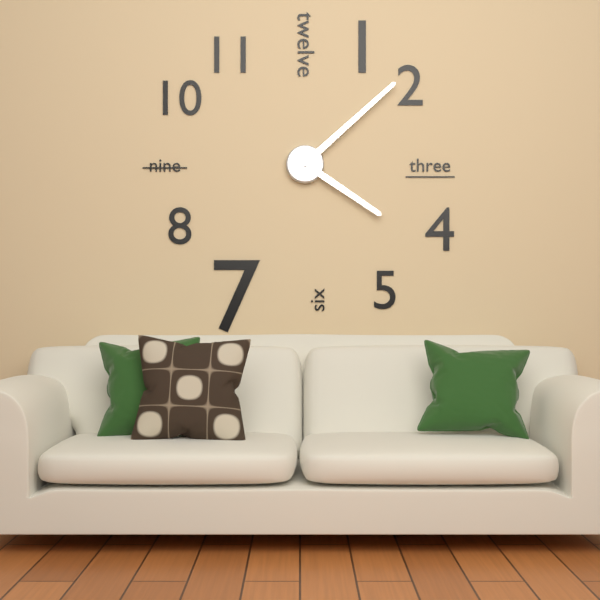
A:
4 h 08 min
